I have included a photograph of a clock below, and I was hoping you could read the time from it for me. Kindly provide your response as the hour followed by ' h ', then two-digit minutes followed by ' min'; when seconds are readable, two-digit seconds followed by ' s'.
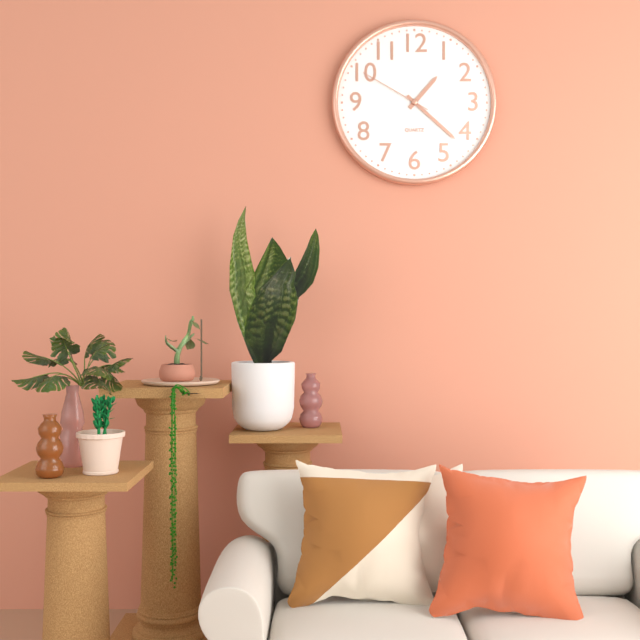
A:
1 h 22 min 50 s
